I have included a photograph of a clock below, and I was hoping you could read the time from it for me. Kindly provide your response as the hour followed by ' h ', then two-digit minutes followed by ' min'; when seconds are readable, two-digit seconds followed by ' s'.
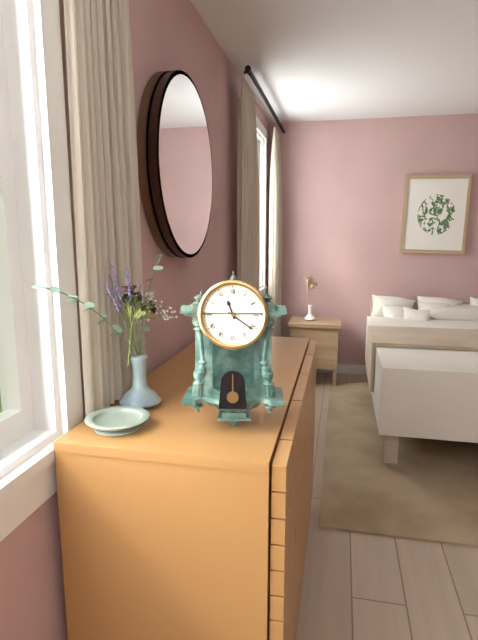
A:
11 h 21 min
